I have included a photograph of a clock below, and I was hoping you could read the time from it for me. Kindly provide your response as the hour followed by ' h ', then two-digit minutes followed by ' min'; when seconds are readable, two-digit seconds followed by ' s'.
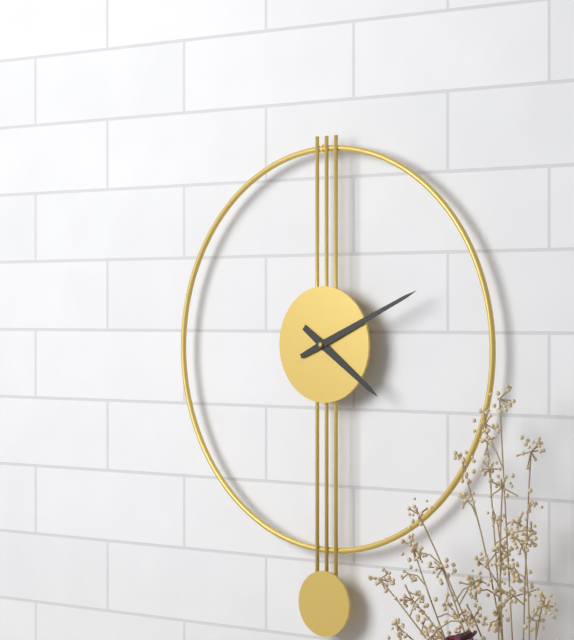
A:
4 h 11 min
